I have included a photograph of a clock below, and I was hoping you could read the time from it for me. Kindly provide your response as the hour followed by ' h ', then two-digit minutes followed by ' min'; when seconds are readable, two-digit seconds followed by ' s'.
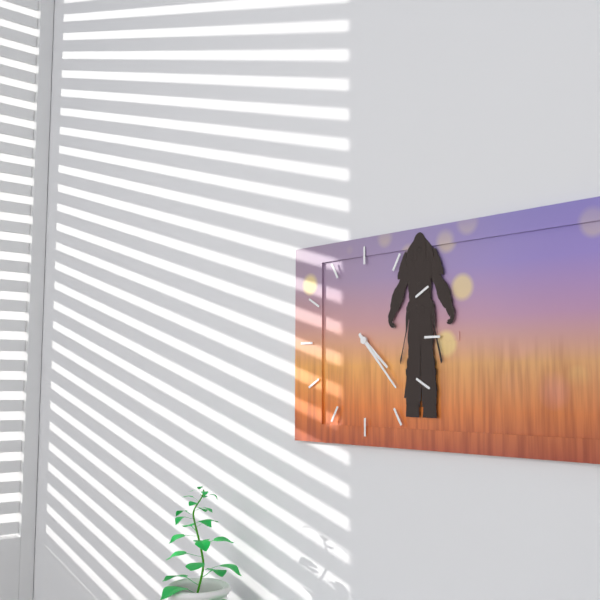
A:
4 h 23 min
